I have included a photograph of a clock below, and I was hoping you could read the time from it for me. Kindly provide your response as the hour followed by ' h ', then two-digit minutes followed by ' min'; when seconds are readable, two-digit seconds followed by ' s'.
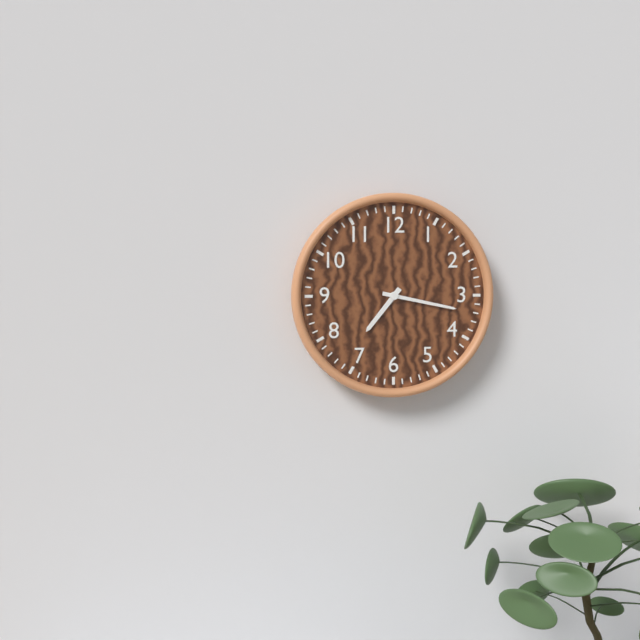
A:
7 h 17 min
